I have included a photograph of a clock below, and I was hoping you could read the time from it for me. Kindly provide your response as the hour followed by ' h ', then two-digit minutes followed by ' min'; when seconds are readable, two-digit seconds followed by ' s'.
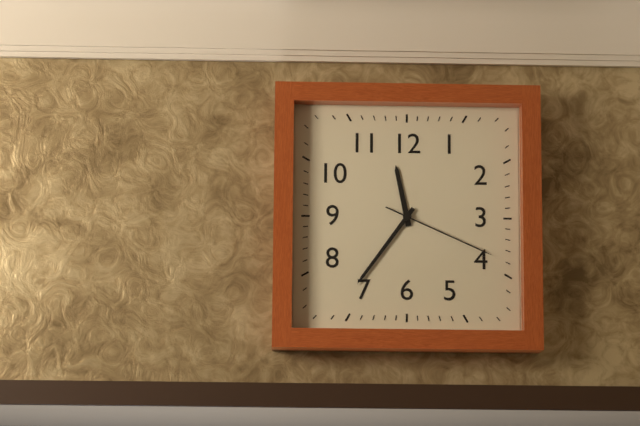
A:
11 h 36 min 19 s
